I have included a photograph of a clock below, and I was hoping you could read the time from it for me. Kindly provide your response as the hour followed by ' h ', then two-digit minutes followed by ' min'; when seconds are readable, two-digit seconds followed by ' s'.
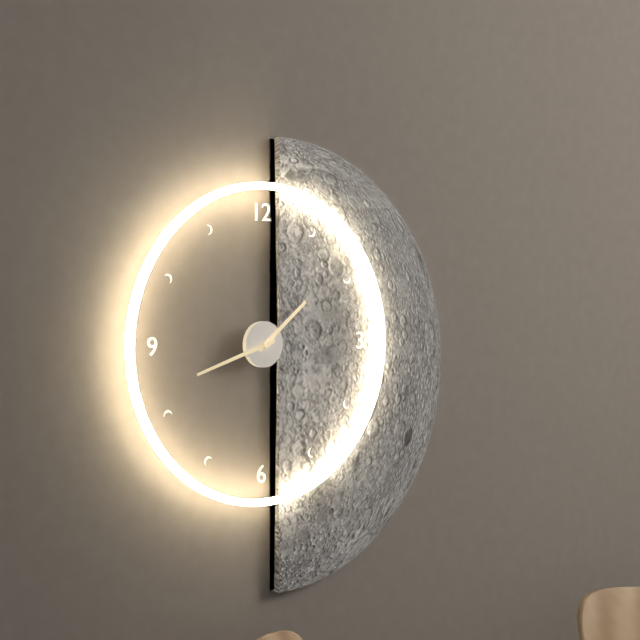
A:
1 h 42 min
